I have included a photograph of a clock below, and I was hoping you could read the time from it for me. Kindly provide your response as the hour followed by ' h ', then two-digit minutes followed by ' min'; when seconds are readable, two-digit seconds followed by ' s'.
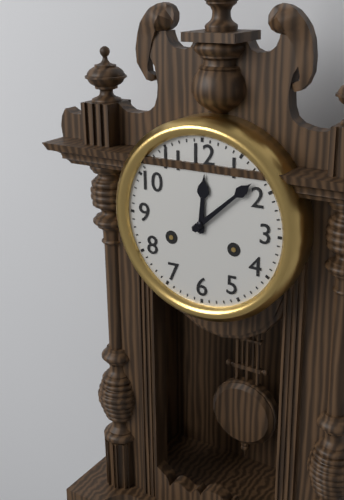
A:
12 h 08 min
